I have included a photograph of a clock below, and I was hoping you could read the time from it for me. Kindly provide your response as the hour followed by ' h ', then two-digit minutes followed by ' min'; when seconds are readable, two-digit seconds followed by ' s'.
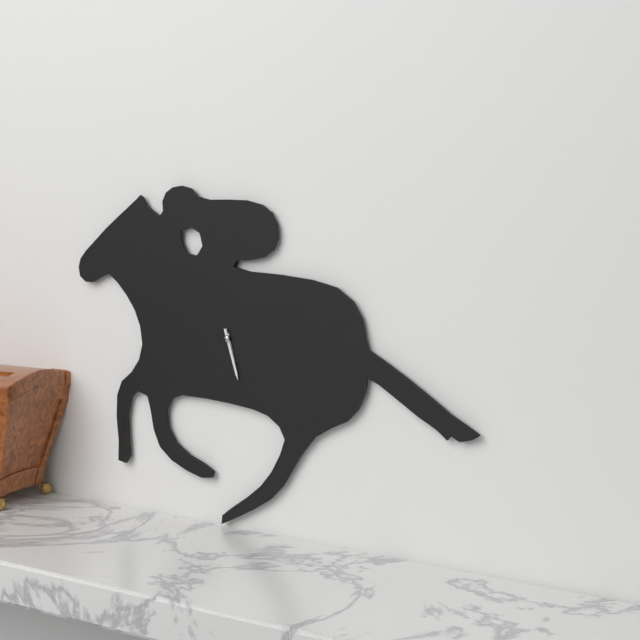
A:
5 h 27 min
